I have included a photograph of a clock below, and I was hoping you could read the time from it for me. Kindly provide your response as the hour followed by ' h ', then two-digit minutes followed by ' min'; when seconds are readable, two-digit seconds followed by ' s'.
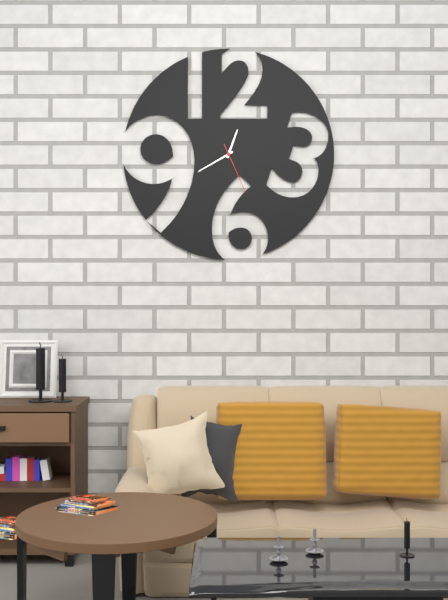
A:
12 h 40 min 26 s
